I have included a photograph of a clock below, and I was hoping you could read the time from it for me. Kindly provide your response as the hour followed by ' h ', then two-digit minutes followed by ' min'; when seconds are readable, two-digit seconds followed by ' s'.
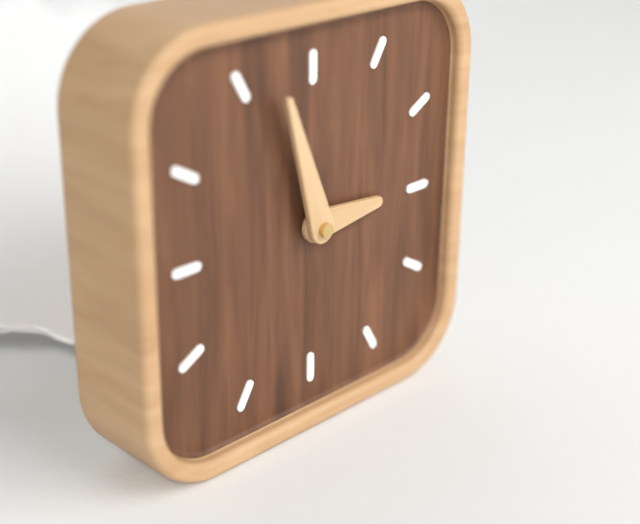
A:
2 h 57 min
